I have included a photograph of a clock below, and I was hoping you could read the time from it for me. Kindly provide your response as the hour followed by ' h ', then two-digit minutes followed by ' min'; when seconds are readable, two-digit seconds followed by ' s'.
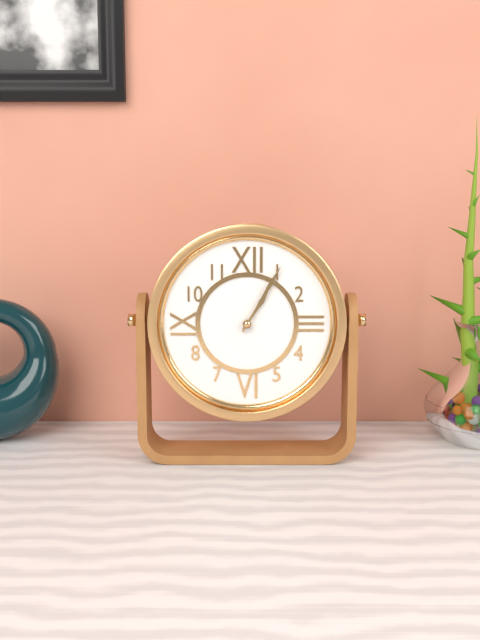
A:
1 h 05 min
